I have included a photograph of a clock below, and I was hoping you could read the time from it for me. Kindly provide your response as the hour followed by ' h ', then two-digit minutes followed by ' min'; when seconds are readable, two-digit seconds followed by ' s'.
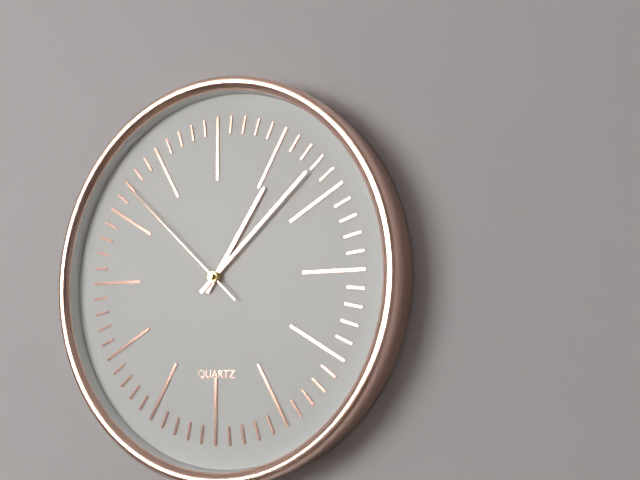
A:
1 h 08 min 52 s
